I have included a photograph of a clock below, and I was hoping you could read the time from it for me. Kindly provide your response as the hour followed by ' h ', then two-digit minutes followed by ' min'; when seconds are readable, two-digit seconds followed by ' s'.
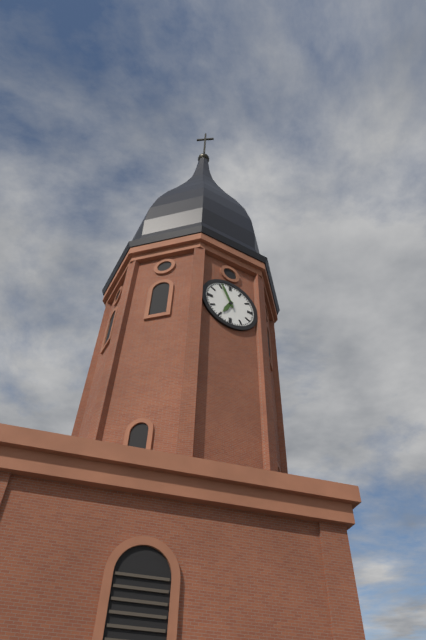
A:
6 h 56 min
